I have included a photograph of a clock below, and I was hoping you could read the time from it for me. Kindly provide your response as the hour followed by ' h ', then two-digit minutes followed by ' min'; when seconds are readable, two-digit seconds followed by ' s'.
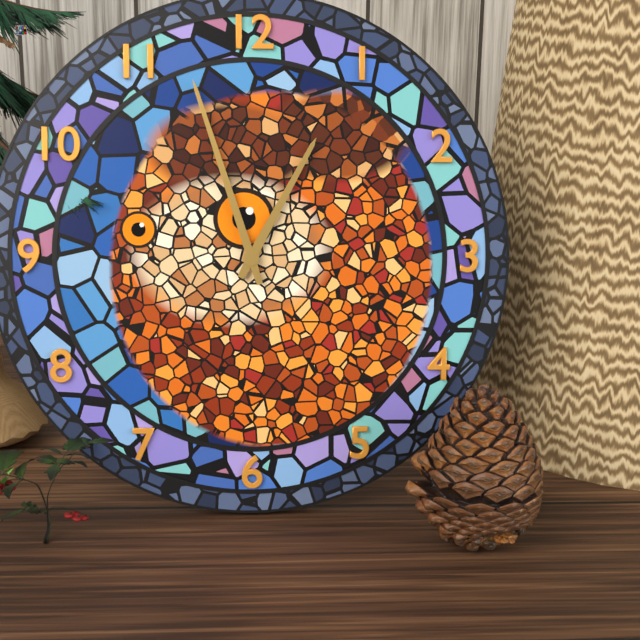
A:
12 h 57 min
